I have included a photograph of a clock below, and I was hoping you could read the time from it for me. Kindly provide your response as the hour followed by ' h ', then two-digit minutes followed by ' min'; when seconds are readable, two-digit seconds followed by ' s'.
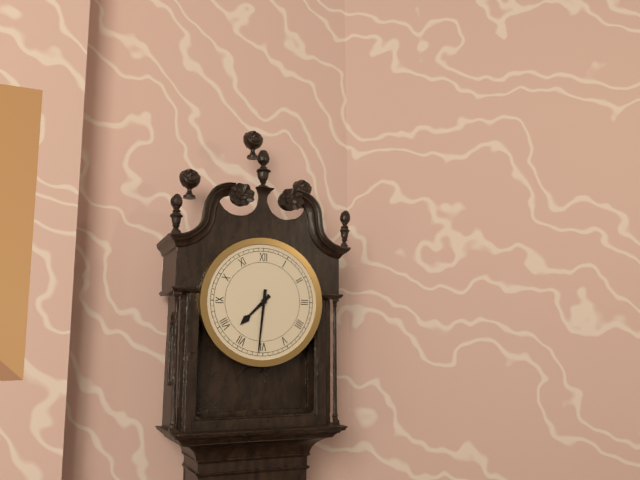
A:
7 h 31 min
